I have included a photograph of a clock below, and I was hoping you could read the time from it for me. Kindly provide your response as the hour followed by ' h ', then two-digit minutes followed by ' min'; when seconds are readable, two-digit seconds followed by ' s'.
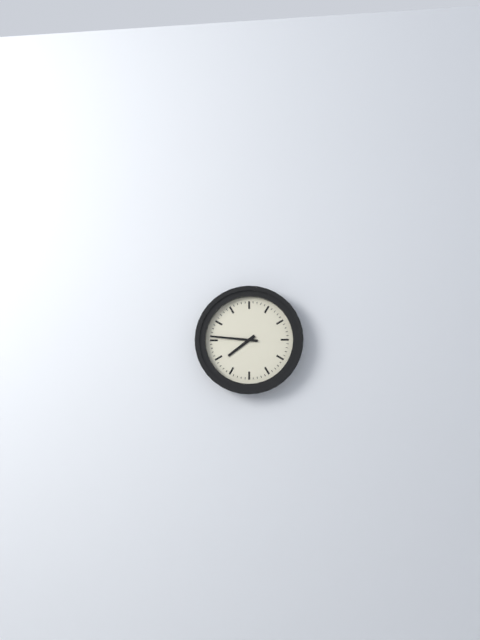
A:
7 h 46 min
